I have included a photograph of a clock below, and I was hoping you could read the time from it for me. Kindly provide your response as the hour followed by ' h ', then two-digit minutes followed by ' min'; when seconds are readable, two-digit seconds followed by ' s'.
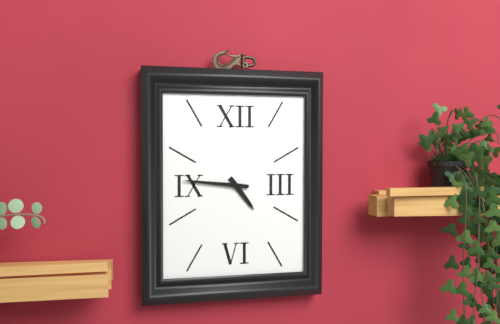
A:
4 h 46 min
